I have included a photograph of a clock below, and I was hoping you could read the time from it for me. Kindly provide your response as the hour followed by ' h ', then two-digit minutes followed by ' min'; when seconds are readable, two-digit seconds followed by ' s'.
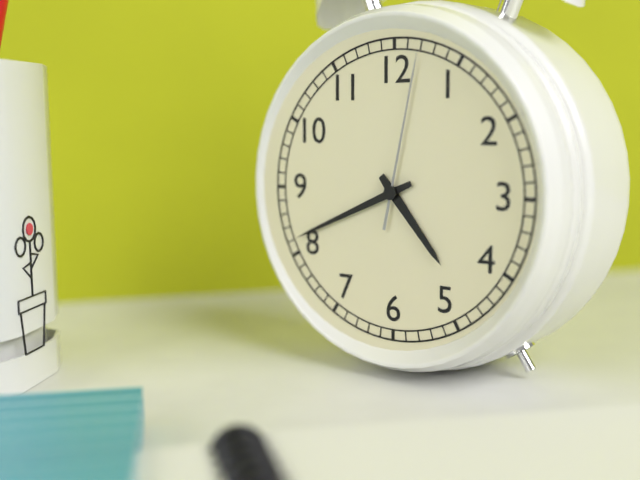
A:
4 h 41 min 02 s
